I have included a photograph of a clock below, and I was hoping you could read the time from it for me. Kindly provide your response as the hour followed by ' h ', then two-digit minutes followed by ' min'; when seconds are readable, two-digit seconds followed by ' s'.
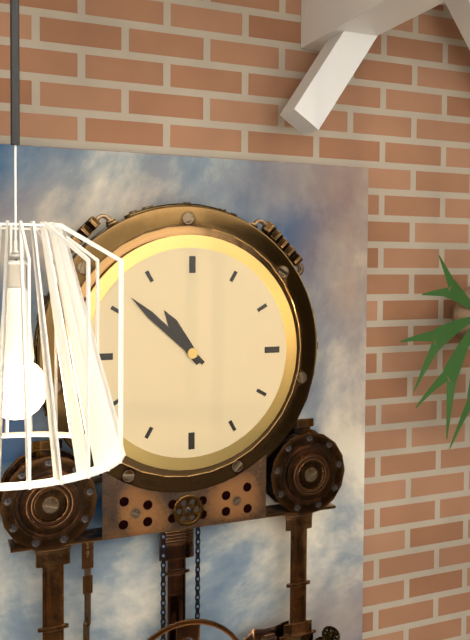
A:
10 h 52 min
